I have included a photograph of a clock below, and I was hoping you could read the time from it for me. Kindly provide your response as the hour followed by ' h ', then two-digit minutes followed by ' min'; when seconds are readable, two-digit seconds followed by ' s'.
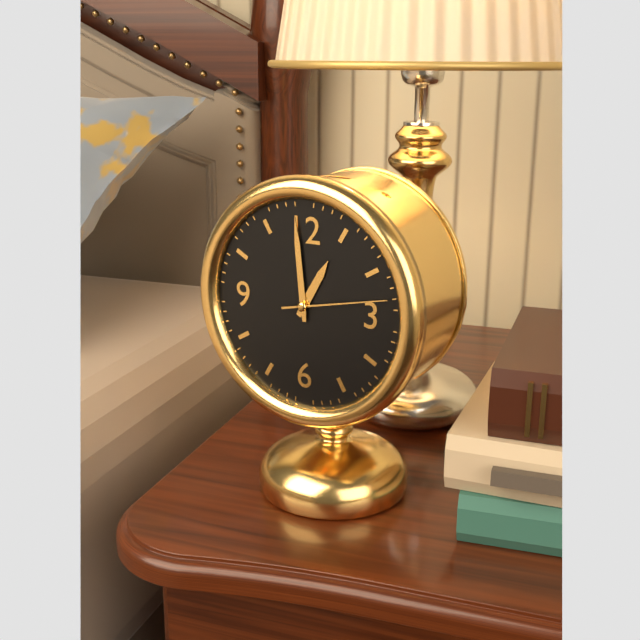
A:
12 h 59 min 13 s
